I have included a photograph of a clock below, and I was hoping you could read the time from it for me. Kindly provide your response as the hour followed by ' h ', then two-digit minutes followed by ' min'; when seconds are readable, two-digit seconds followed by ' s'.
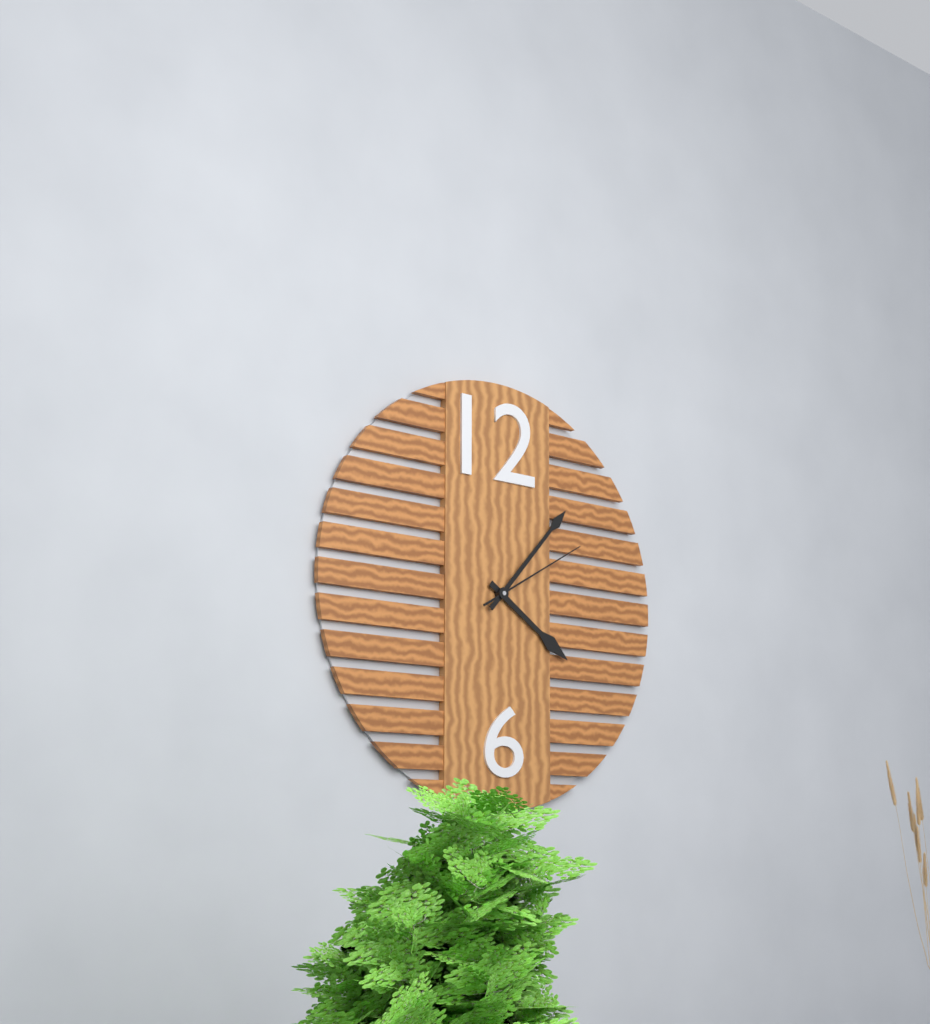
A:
4 h 07 min 10 s
